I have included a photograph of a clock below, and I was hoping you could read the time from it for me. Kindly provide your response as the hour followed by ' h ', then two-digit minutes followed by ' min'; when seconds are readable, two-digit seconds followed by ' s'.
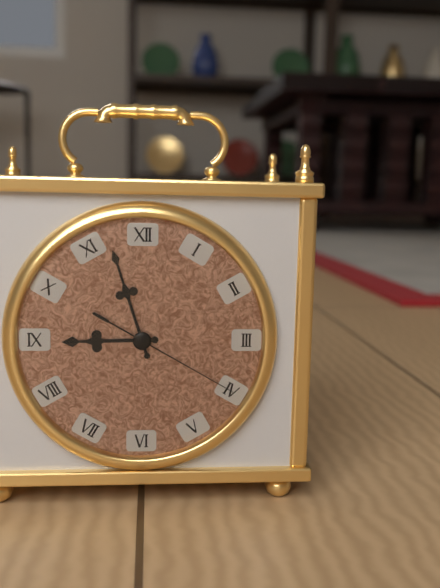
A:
8 h 57 min 20 s
